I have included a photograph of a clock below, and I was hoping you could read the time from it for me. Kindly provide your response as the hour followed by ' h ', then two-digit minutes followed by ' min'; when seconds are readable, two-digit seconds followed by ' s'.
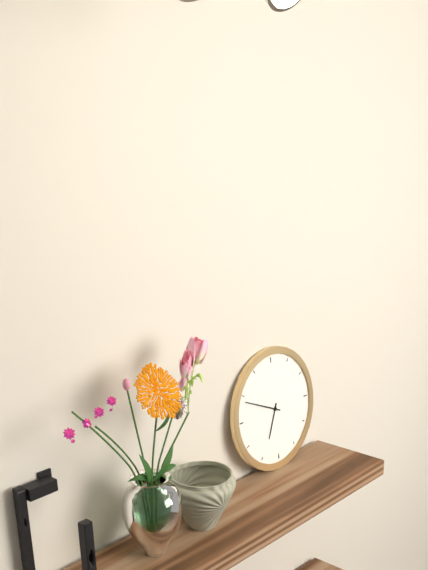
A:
6 h 49 min
